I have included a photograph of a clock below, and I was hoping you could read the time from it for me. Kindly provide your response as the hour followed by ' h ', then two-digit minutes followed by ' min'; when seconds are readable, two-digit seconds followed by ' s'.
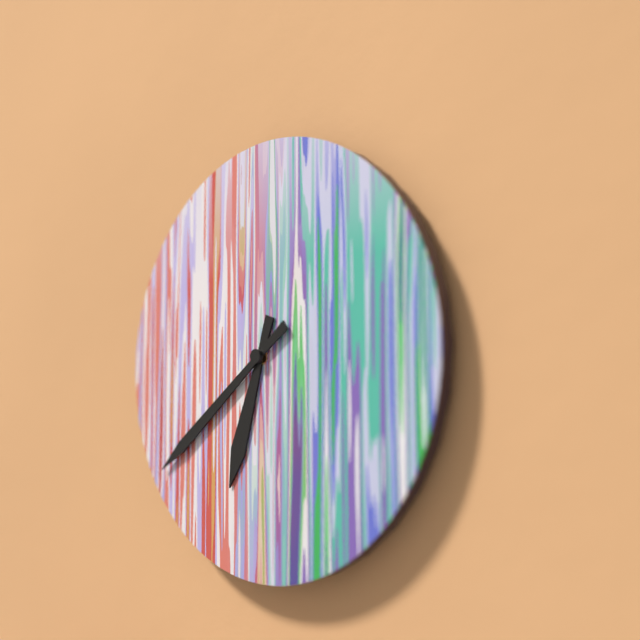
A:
6 h 39 min
